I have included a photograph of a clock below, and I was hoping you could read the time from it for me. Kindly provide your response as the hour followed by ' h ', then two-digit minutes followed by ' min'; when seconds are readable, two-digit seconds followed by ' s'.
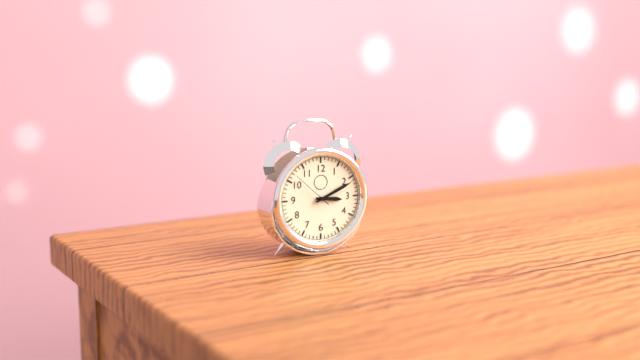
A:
3 h 11 min
